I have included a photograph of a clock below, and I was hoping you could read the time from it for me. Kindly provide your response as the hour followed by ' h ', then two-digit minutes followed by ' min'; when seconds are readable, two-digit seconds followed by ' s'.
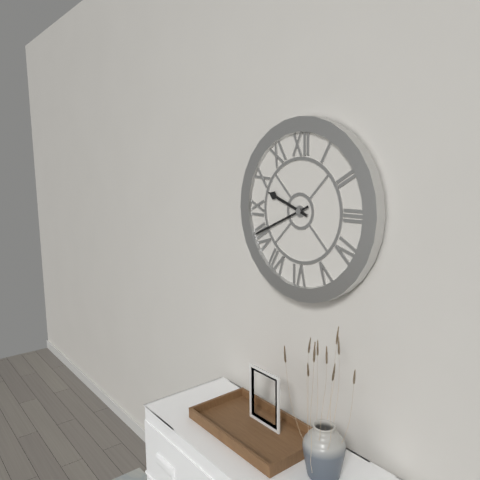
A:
9 h 41 min
